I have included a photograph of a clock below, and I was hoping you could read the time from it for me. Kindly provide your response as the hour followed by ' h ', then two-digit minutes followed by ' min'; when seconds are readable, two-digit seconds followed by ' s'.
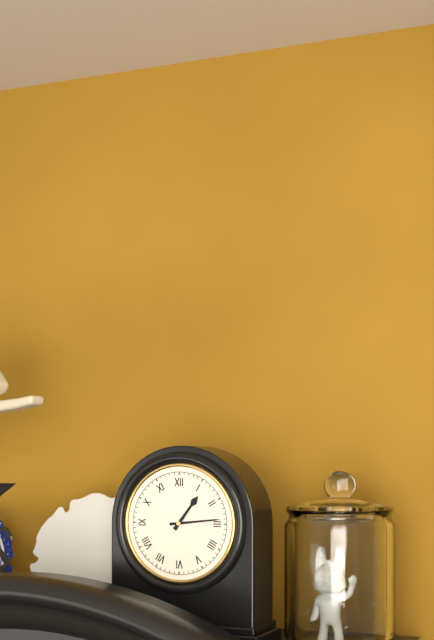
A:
1 h 14 min
